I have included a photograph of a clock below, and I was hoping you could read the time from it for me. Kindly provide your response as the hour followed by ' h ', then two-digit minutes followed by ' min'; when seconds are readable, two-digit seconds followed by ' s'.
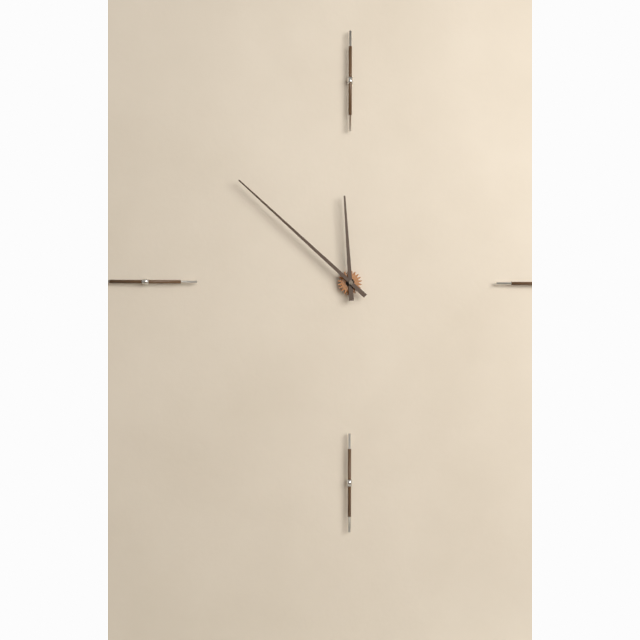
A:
11 h 52 min
